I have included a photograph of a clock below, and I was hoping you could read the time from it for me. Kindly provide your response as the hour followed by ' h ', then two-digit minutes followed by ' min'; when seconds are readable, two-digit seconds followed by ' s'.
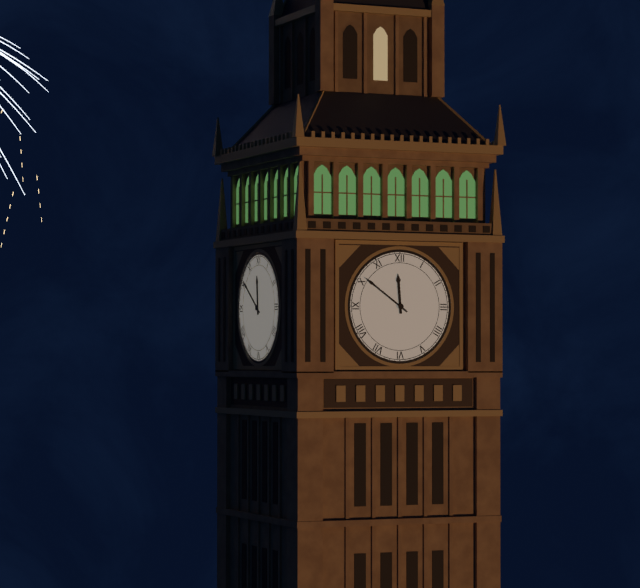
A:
11 h 51 min
